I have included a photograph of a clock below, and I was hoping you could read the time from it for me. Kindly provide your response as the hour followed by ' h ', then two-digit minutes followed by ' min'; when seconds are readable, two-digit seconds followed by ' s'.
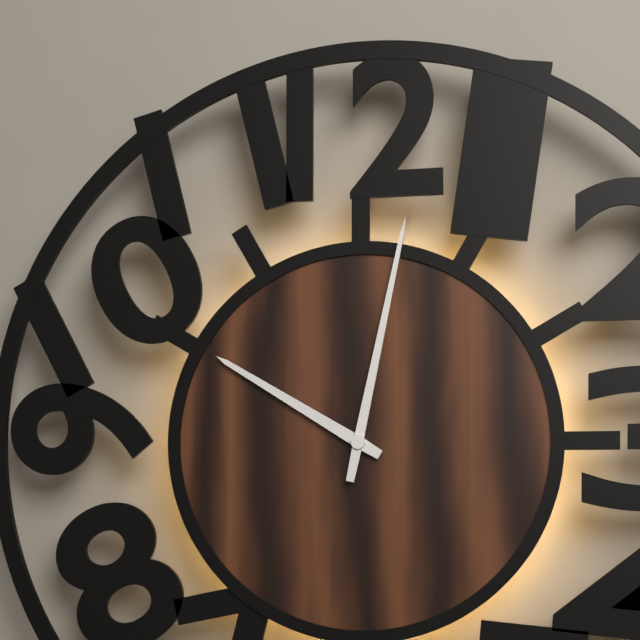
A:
10 h 02 min
